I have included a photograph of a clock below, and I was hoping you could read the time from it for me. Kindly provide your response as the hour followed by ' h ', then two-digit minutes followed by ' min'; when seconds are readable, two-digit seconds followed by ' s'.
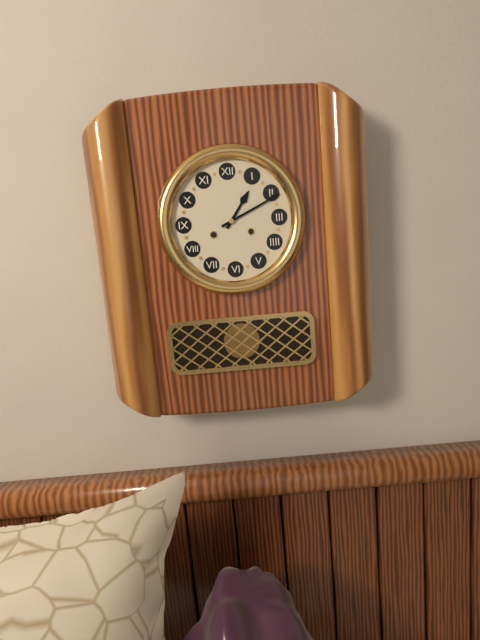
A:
1 h 11 min
